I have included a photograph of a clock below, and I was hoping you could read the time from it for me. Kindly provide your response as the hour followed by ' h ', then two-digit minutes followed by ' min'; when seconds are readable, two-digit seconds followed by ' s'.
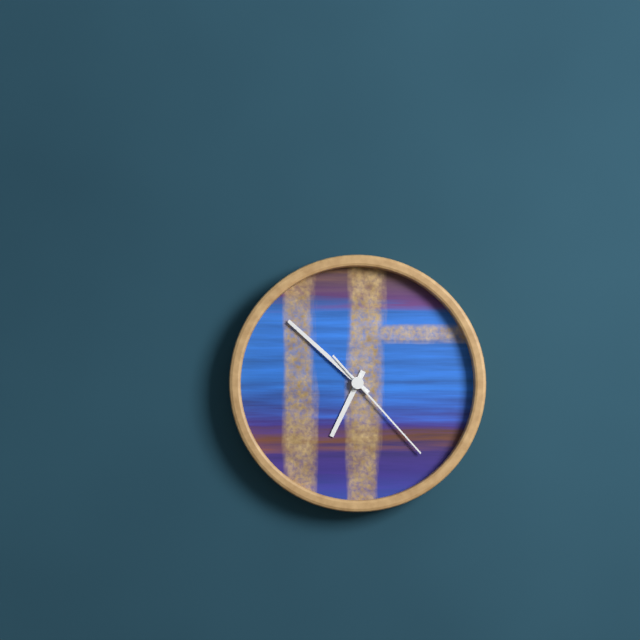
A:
6 h 52 min 23 s
